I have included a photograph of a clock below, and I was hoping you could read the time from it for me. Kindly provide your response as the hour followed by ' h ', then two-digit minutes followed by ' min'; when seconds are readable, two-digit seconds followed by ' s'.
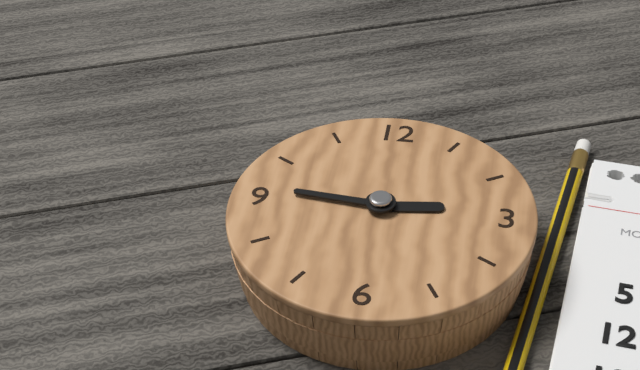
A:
2 h 46 min
